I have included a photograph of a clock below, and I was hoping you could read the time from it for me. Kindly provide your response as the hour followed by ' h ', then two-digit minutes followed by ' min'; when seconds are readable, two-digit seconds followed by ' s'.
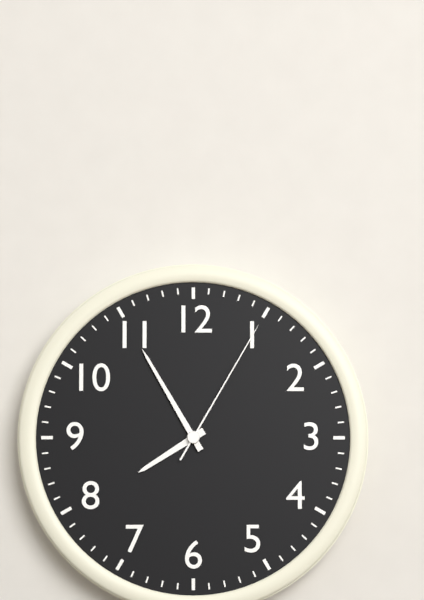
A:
7 h 55 min 05 s
